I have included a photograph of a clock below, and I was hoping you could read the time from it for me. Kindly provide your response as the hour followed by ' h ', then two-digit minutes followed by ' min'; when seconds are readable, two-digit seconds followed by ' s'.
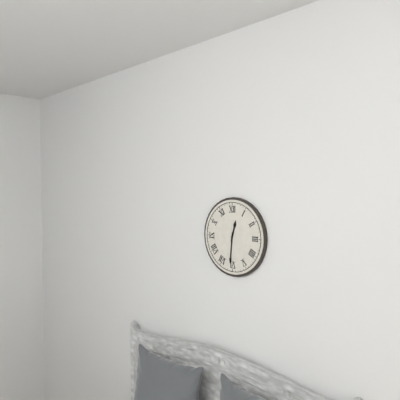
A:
12 h 31 min
